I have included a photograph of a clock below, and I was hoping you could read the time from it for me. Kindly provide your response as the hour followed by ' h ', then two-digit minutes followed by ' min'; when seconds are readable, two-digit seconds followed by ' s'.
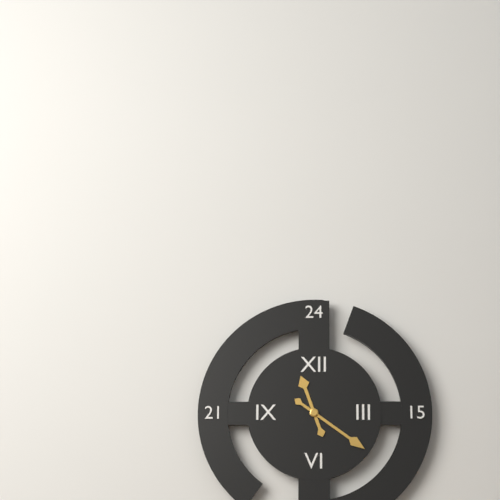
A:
11 h 21 min
